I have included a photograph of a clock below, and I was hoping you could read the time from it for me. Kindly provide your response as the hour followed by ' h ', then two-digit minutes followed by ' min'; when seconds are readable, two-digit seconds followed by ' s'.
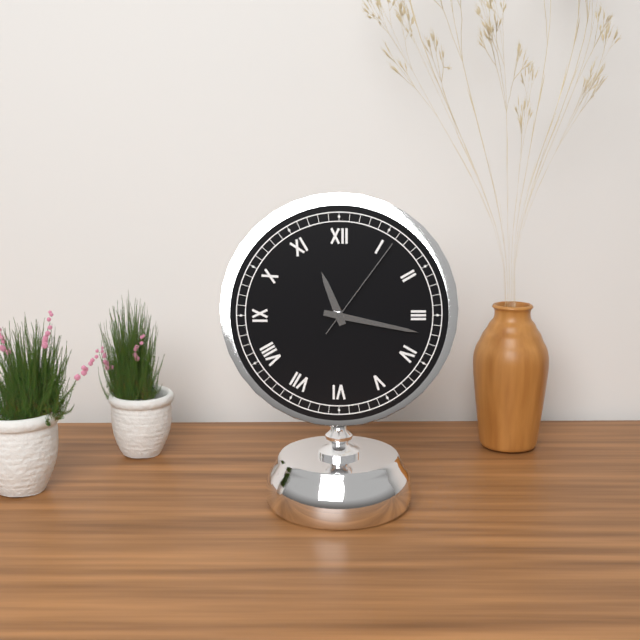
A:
11 h 17 min 06 s
